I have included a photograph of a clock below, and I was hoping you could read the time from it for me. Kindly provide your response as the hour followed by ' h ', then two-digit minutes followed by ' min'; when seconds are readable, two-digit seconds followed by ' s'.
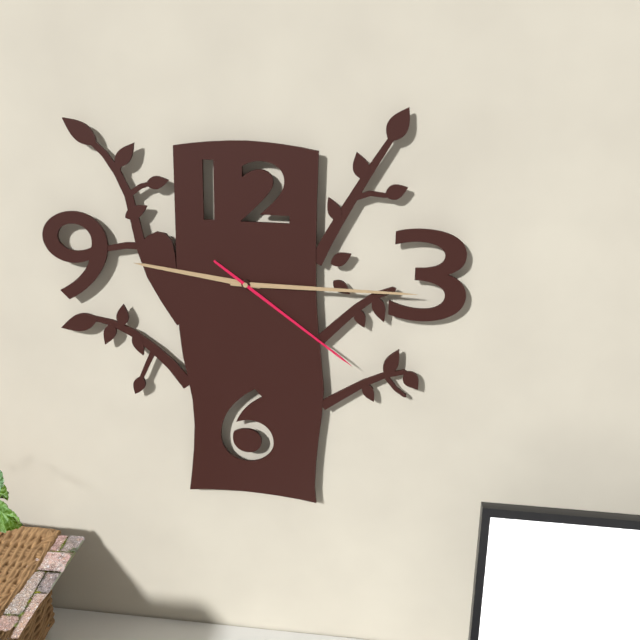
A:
9 h 15 min 21 s
